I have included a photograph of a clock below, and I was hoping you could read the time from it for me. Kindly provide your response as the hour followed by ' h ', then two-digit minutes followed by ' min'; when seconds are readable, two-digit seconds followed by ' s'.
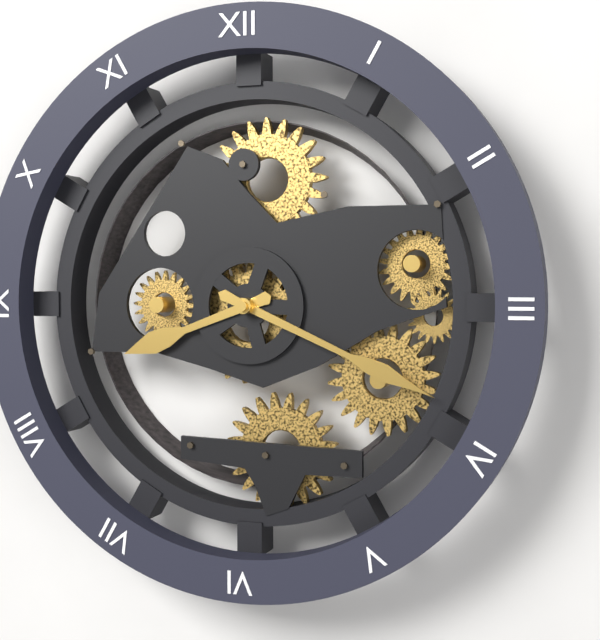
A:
8 h 19 min
